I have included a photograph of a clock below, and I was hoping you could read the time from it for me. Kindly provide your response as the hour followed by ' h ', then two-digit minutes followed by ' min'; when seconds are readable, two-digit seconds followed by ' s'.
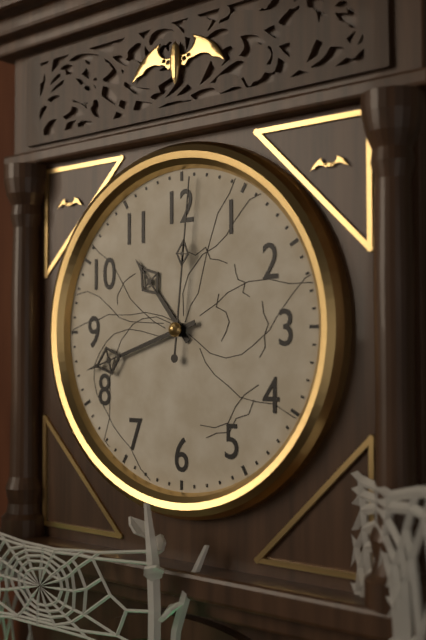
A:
10 h 42 min 01 s
